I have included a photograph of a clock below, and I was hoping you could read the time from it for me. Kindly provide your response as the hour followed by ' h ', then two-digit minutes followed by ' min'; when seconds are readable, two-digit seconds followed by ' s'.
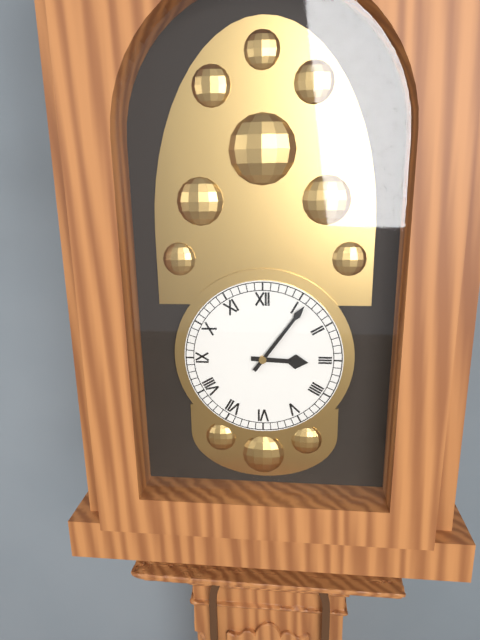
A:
3 h 06 min
